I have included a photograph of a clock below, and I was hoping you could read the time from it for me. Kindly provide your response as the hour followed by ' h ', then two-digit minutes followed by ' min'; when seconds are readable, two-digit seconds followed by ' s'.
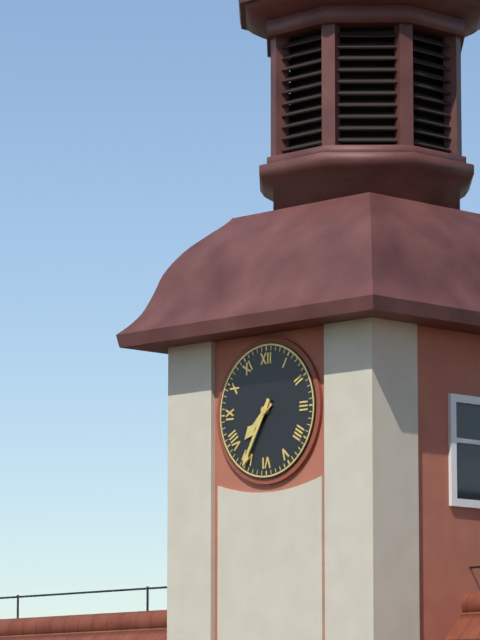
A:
7 h 35 min
